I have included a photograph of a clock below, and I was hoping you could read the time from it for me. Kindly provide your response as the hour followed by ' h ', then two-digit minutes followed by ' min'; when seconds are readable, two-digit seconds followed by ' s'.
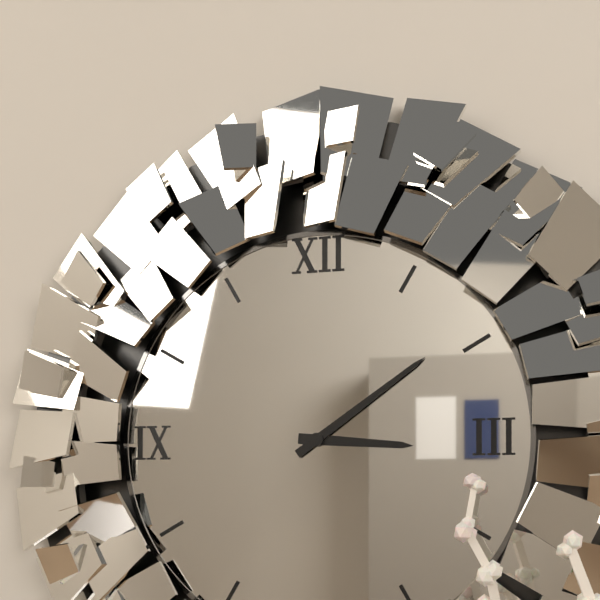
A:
3 h 09 min
